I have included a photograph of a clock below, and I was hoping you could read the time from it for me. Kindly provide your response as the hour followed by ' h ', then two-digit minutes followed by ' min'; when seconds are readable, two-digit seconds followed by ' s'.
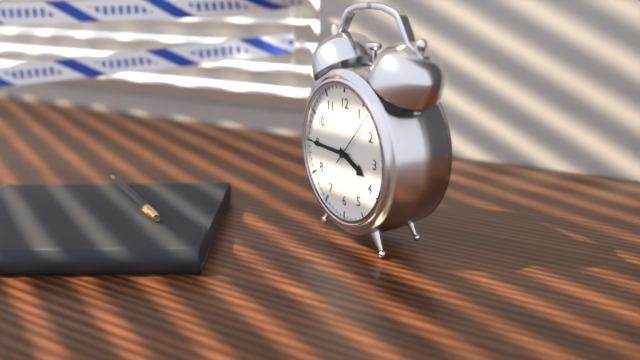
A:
3 h 45 min 07 s
